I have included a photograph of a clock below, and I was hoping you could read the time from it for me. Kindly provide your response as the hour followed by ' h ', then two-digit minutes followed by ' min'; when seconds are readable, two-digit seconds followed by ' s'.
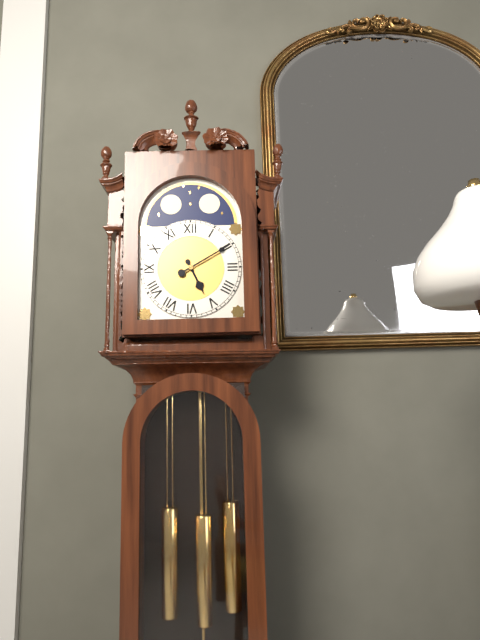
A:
5 h 10 min
